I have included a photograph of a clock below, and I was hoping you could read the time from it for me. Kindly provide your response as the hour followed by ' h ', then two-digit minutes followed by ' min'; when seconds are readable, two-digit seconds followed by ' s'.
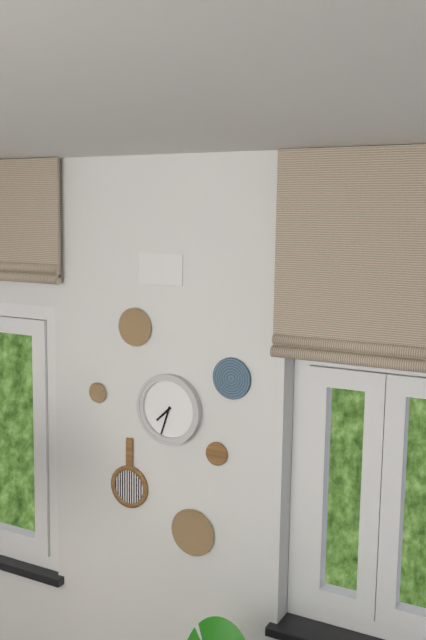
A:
7 h 33 min
